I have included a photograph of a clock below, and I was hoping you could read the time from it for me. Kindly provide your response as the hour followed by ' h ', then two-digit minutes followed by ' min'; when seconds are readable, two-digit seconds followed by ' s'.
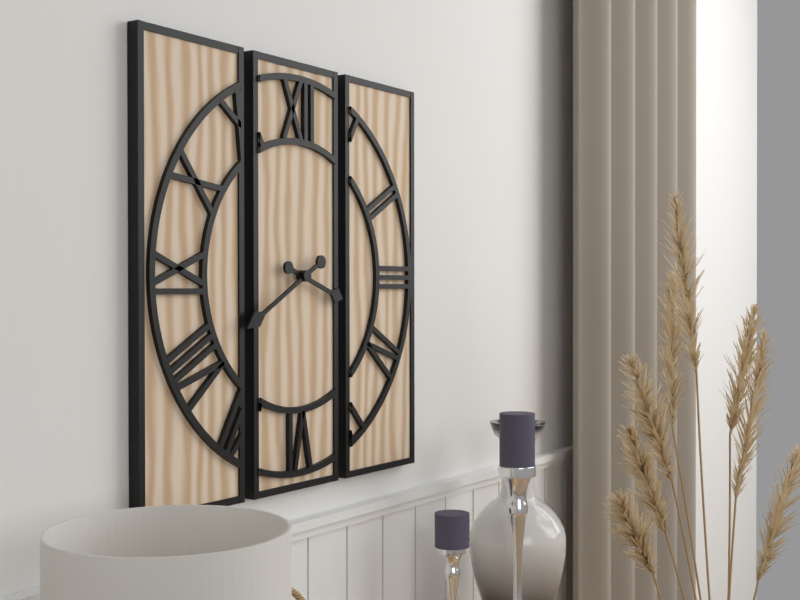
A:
3 h 40 min
